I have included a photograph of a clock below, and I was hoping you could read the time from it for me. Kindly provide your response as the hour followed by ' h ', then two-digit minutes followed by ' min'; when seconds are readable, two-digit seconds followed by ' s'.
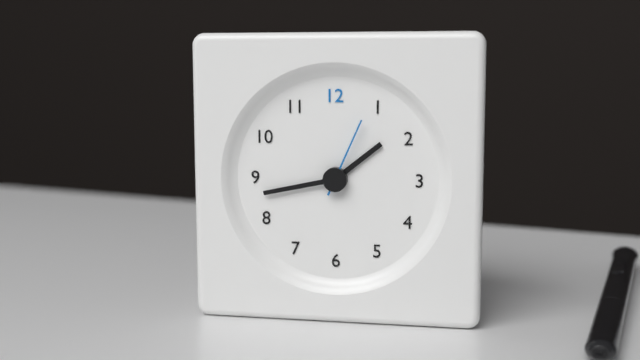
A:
1 h 43 min 04 s
